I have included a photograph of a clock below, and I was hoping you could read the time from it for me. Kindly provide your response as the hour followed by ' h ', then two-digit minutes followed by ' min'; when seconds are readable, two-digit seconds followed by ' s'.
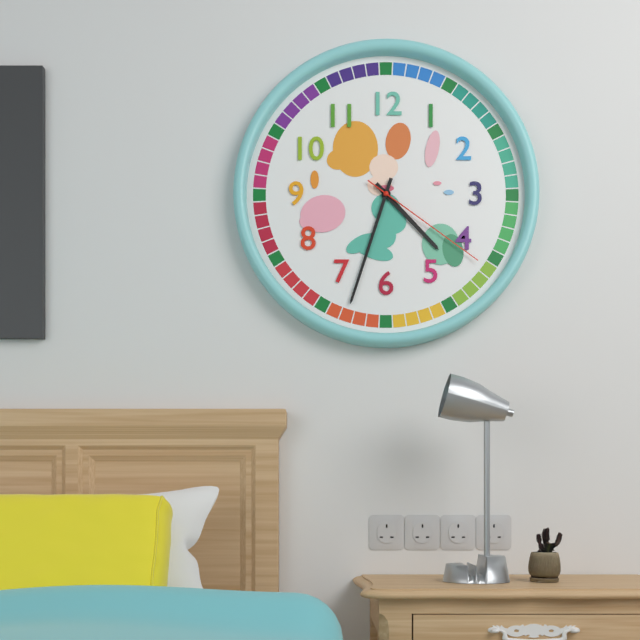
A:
4 h 33 min 21 s
